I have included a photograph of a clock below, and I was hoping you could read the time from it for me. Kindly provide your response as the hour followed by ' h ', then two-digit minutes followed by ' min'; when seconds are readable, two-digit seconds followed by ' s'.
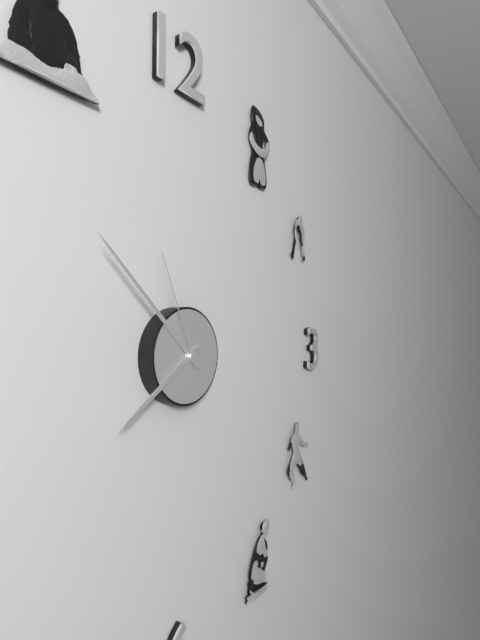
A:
7 h 52 min 56 s
